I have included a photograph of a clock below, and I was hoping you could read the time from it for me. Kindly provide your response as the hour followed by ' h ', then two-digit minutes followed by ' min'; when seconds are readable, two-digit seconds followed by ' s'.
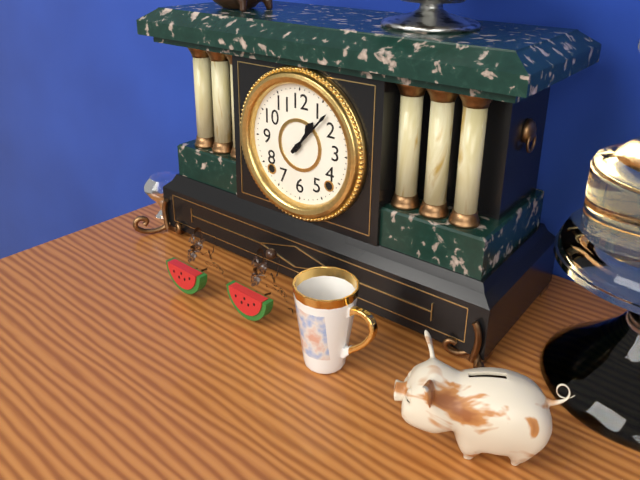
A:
1 h 07 min
